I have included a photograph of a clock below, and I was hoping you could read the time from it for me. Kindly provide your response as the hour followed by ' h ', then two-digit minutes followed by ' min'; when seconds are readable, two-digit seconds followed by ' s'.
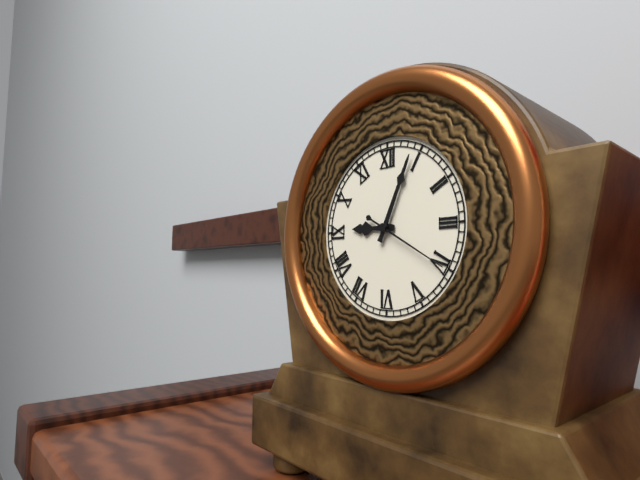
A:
9 h 04 min 20 s
